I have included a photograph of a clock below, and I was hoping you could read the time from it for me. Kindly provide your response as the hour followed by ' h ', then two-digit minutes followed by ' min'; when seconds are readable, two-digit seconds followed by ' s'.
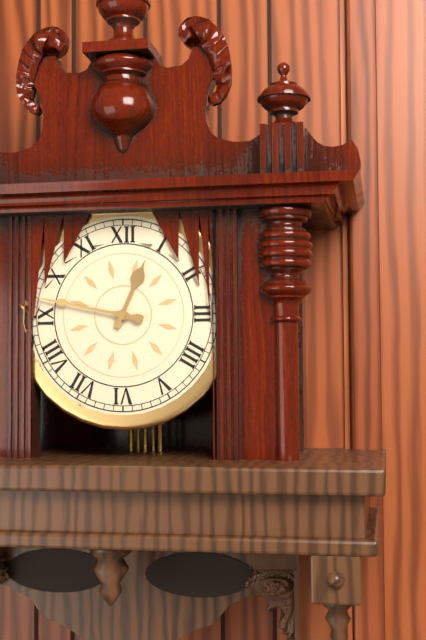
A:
12 h 47 min
